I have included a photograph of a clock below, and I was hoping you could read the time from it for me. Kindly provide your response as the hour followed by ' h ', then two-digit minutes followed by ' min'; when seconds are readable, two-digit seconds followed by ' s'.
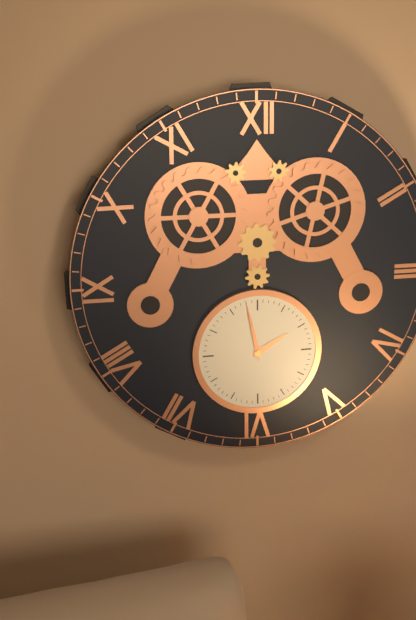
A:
1 h 58 min
